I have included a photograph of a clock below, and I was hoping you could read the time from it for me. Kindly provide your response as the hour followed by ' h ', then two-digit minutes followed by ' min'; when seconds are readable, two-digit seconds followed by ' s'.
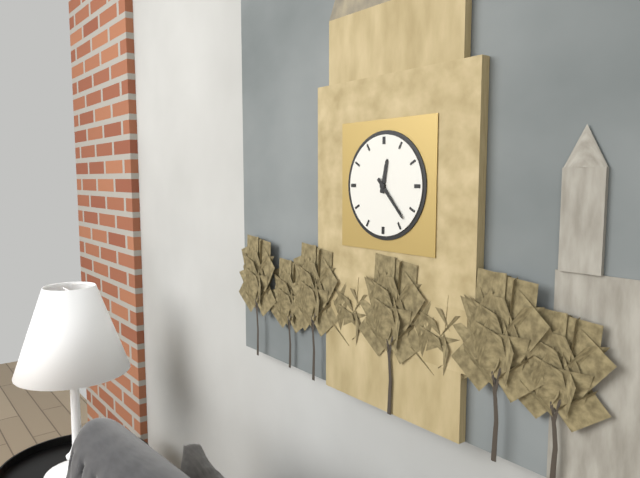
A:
12 h 23 min
